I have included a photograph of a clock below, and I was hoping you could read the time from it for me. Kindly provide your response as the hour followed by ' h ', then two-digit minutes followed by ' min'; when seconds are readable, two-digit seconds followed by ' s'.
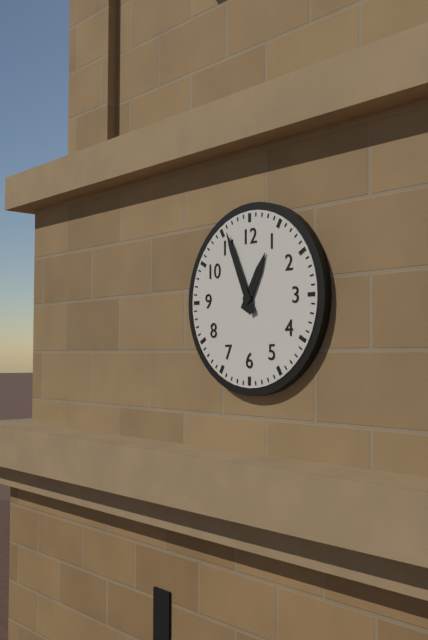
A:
12 h 56 min
